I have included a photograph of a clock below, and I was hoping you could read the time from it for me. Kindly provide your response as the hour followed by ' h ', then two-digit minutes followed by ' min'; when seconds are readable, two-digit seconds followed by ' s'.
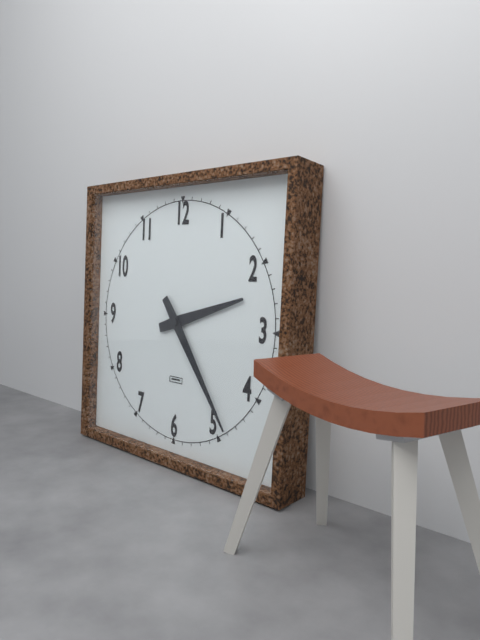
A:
2 h 24 min
